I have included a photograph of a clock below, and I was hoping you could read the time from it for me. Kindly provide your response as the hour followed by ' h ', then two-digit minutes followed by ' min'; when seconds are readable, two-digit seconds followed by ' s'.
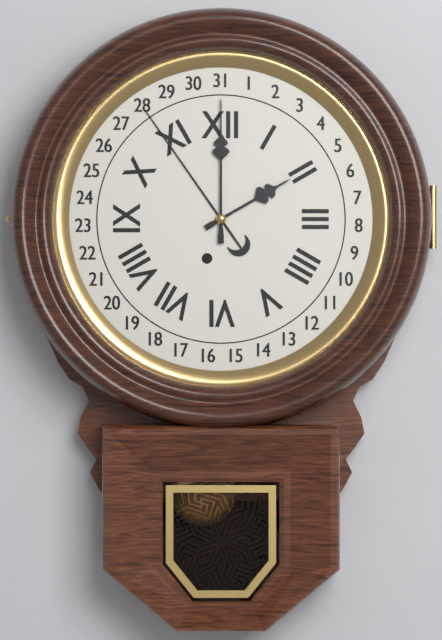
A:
2 h 00 min
